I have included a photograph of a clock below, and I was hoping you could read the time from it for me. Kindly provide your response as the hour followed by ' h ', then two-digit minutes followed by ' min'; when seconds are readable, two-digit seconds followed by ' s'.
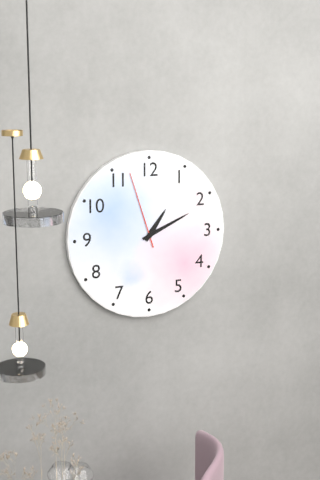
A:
1 h 11 min 57 s
